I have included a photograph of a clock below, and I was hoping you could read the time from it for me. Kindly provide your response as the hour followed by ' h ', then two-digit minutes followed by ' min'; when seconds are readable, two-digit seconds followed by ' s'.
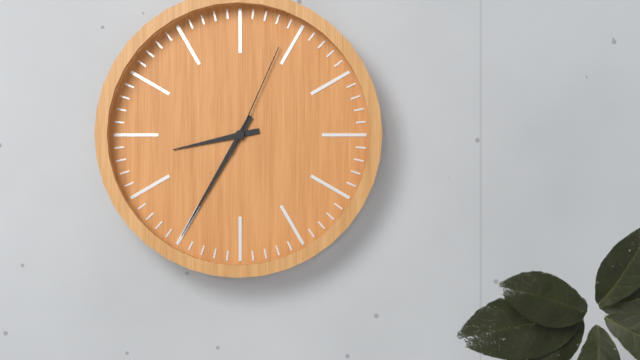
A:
8 h 35 min 04 s
